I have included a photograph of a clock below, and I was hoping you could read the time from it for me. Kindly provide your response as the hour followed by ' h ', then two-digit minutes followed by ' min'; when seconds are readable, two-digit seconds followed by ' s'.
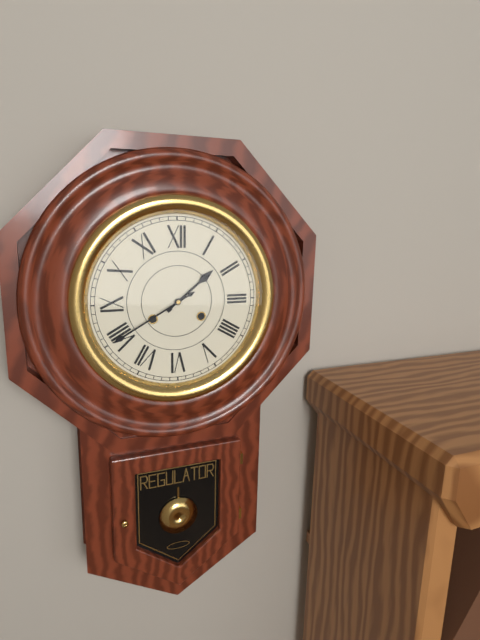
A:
1 h 40 min
